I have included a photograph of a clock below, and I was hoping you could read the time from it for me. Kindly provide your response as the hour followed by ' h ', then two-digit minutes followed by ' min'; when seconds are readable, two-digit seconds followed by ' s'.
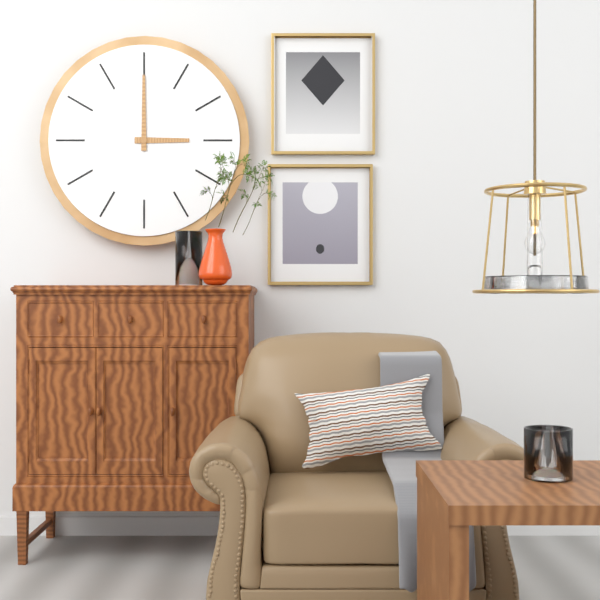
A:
3 h 00 min
